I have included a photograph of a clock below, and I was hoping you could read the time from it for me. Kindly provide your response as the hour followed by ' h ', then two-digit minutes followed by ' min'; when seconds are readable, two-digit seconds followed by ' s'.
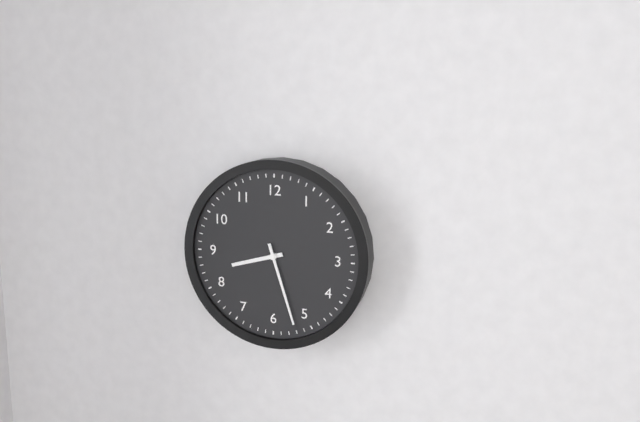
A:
8 h 27 min
